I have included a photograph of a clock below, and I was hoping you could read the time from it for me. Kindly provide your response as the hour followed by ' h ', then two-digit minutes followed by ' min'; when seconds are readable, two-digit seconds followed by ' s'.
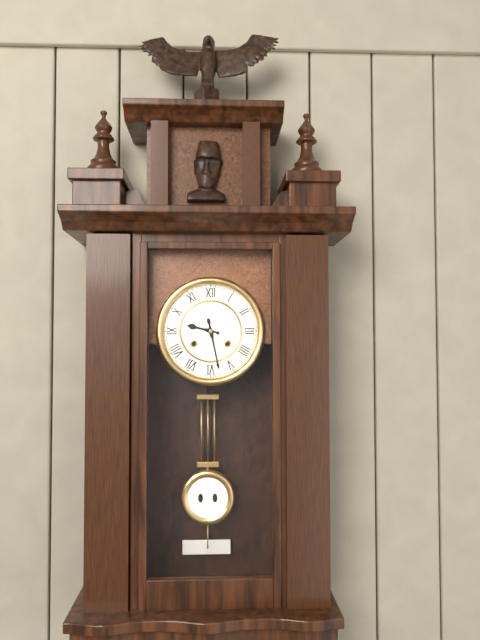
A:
9 h 28 min
